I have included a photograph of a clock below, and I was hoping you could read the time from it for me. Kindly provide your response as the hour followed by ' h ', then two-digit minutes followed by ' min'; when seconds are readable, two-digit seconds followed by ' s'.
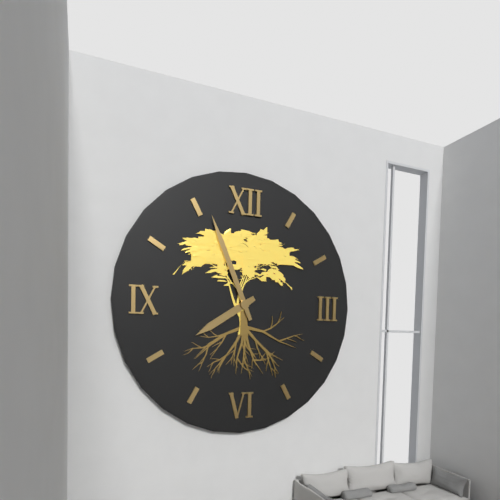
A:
7 h 56 min
